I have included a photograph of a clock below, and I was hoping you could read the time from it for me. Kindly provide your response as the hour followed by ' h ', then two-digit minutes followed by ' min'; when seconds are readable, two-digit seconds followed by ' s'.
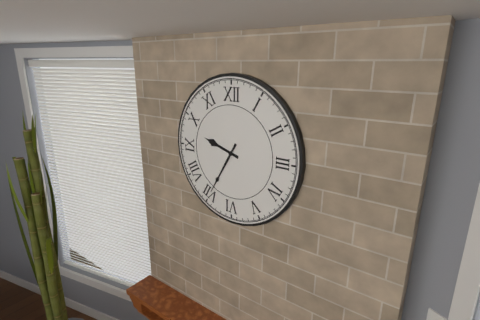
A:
9 h 35 min
